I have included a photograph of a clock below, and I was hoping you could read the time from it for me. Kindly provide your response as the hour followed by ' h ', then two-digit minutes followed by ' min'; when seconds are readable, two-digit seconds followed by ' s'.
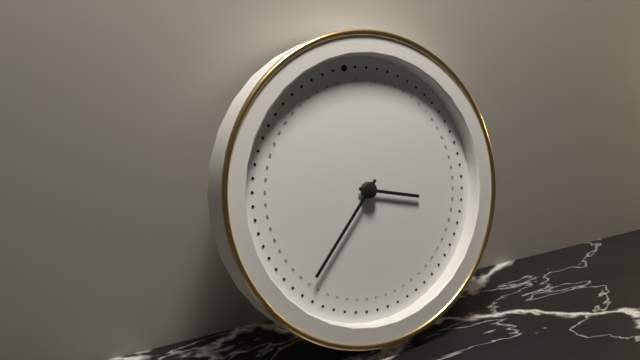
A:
3 h 38 min
